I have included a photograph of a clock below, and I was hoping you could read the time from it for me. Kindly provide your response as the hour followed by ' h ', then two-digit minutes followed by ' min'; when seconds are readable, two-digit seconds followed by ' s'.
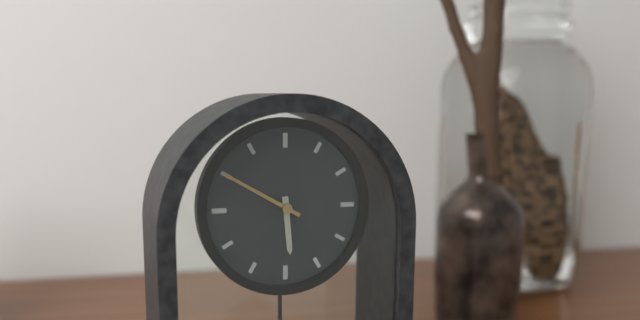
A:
5 h 50 min
